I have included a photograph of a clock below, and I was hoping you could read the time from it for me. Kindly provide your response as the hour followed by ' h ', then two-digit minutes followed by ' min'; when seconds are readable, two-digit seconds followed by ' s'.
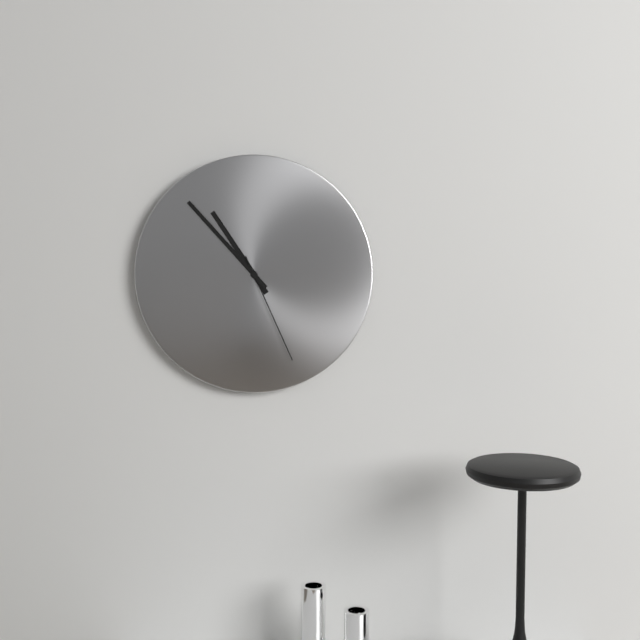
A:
10 h 53 min 26 s
